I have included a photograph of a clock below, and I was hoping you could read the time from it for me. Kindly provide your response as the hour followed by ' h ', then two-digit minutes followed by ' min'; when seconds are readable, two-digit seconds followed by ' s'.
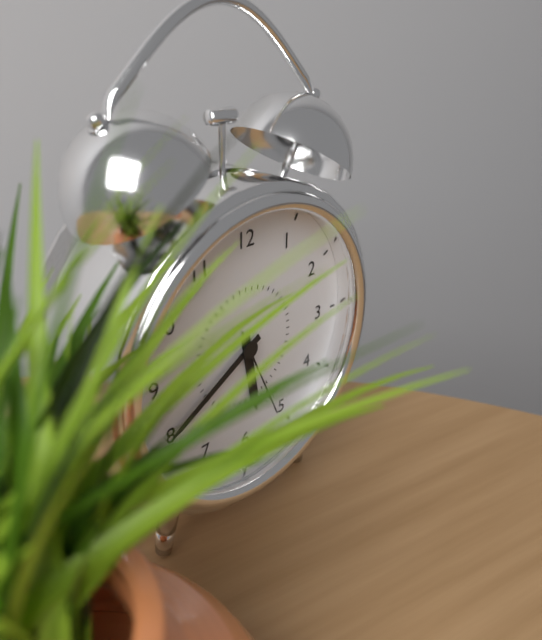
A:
5 h 40 min 26 s
